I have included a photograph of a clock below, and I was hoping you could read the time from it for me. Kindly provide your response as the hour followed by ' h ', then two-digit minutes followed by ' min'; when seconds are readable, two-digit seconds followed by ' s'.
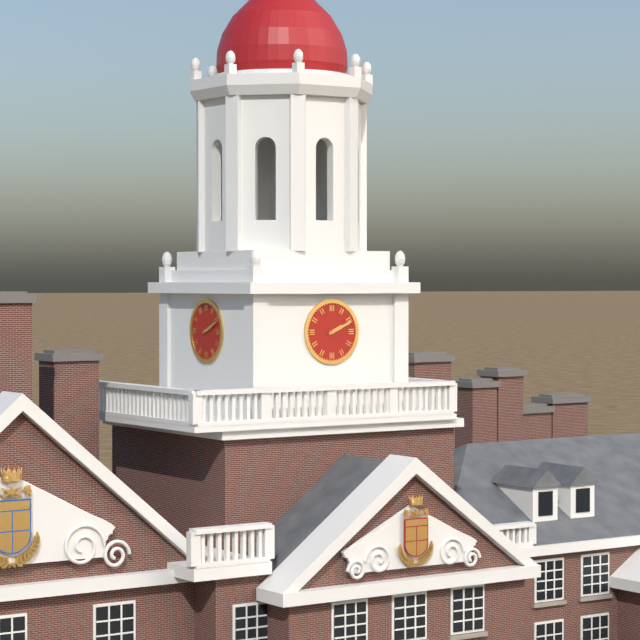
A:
2 h 11 min
